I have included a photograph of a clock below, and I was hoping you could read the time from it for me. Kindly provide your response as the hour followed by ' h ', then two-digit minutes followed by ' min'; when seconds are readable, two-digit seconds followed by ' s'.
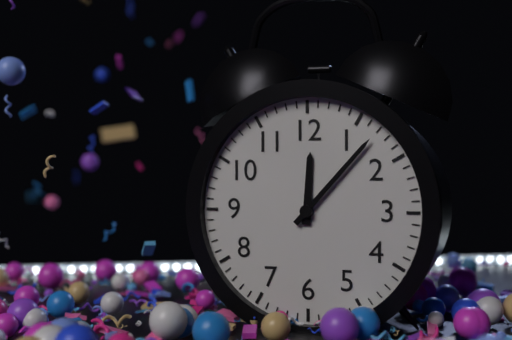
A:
12 h 07 min
